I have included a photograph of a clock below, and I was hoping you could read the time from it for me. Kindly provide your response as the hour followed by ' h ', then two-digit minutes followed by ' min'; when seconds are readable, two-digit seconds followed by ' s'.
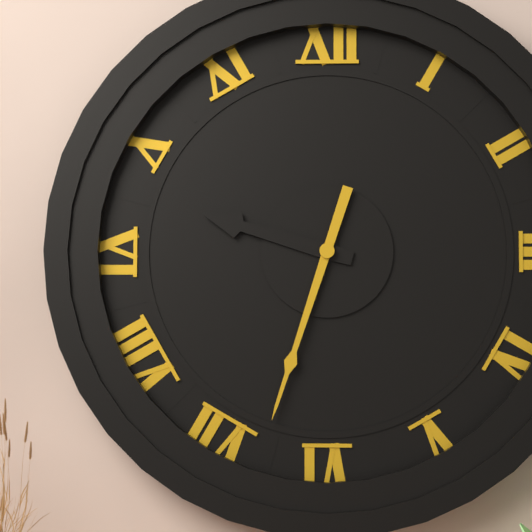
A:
9 h 33 min
